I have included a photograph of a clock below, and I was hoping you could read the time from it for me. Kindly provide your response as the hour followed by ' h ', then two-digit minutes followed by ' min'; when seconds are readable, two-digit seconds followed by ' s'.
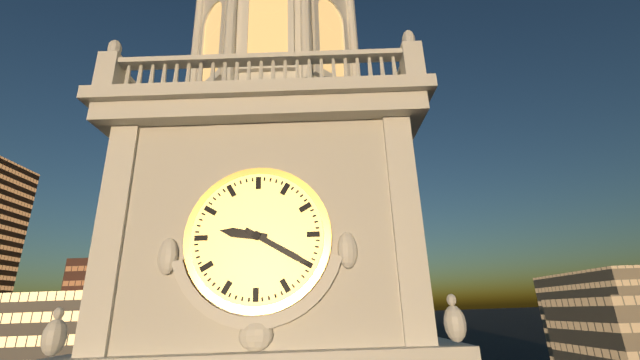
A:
9 h 20 min
